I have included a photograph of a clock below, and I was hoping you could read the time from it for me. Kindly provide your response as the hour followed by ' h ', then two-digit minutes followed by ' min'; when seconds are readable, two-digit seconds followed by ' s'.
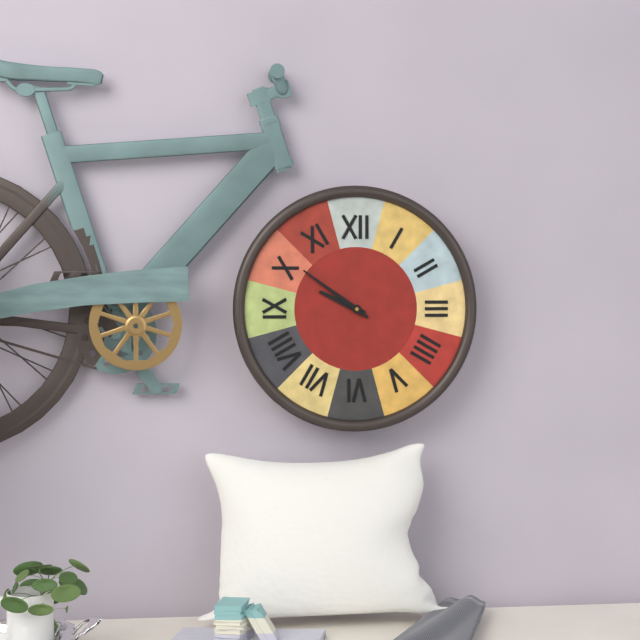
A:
9 h 51 min
